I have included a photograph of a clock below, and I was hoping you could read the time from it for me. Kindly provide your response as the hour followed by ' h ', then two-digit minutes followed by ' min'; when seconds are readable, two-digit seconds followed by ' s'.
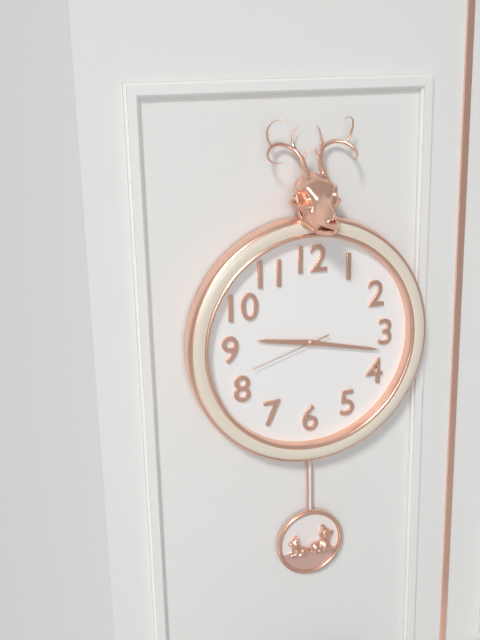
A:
9 h 17 min 42 s
